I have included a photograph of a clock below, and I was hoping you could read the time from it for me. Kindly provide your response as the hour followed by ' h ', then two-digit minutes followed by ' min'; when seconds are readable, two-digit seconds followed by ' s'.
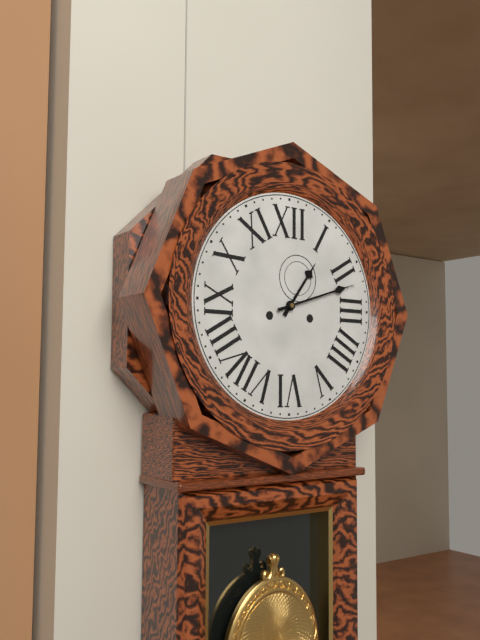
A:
1 h 12 min
